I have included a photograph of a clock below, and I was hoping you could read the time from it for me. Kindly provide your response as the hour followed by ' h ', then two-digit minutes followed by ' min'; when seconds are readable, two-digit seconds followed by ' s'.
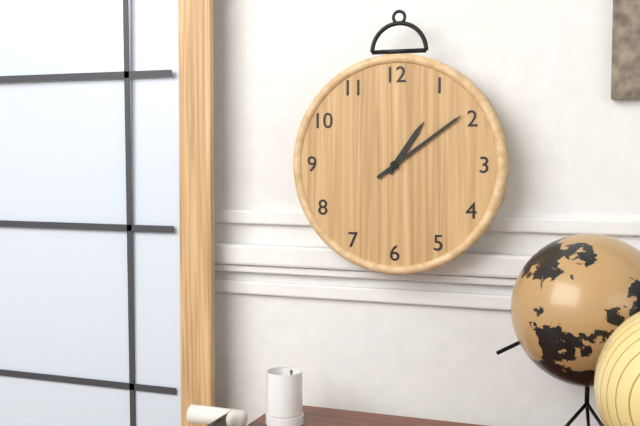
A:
1 h 09 min
